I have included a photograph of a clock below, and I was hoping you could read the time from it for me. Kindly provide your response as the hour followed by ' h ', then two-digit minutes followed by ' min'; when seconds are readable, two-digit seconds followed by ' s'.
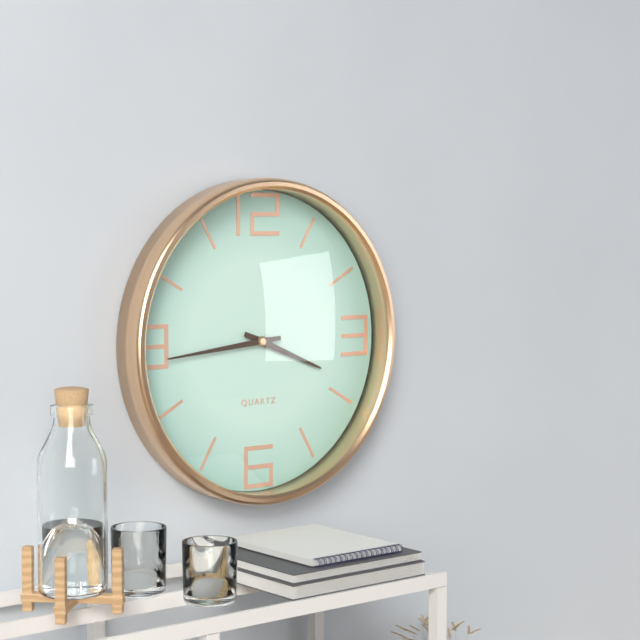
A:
3 h 44 min
